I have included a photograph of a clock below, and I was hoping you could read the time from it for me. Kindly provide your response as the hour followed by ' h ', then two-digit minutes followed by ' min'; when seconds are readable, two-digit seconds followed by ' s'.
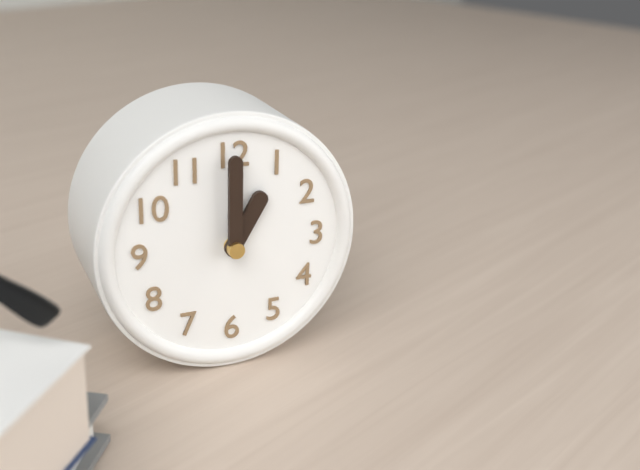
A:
1 h 00 min
